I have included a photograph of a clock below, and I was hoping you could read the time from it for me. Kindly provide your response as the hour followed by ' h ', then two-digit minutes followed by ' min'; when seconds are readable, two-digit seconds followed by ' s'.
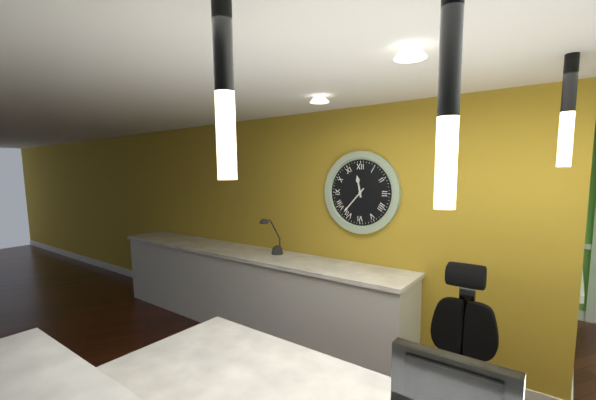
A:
11 h 37 min
